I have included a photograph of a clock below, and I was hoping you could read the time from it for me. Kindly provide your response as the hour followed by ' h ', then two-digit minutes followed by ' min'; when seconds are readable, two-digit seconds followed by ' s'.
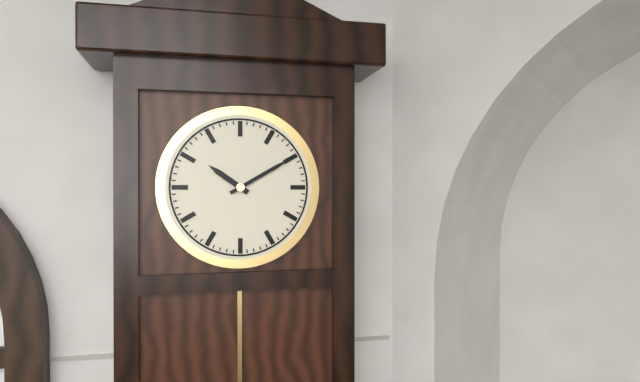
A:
10 h 10 min
